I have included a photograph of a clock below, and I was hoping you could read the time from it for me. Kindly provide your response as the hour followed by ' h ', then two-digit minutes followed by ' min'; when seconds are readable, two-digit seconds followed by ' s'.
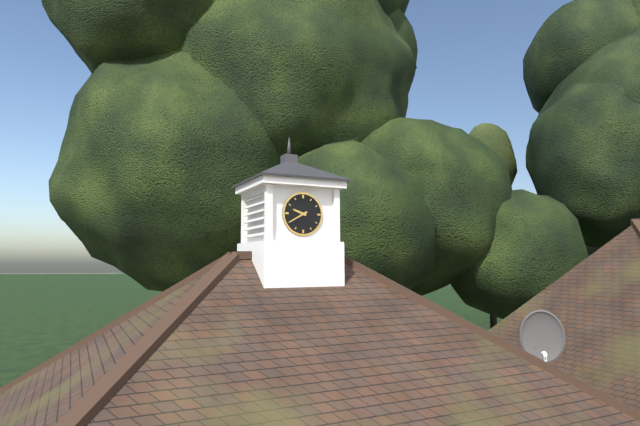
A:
9 h 40 min
